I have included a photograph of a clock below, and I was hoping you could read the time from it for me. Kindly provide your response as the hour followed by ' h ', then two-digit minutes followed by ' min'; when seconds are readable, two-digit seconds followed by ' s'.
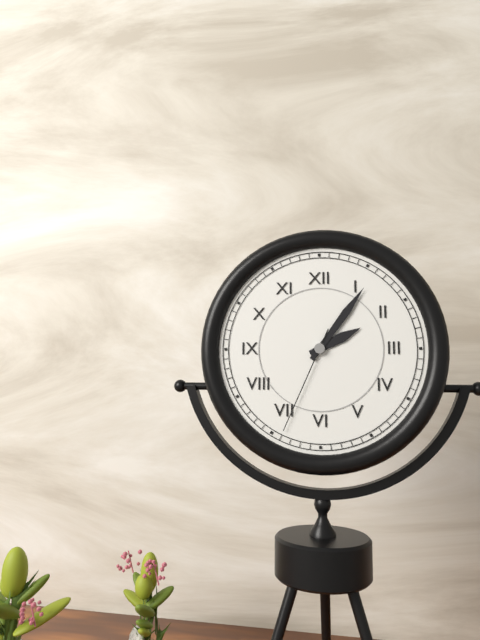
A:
2 h 06 min 34 s
